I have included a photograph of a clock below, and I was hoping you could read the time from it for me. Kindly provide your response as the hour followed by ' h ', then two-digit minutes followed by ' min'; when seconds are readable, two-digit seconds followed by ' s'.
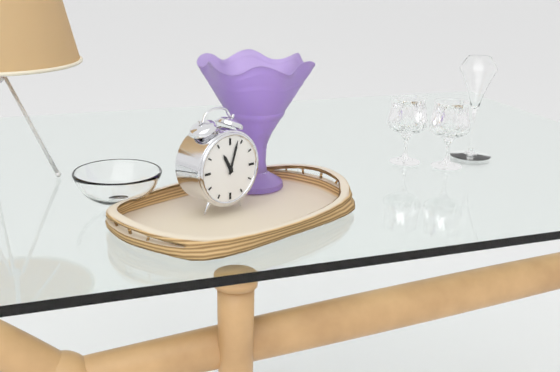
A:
11 h 03 min
